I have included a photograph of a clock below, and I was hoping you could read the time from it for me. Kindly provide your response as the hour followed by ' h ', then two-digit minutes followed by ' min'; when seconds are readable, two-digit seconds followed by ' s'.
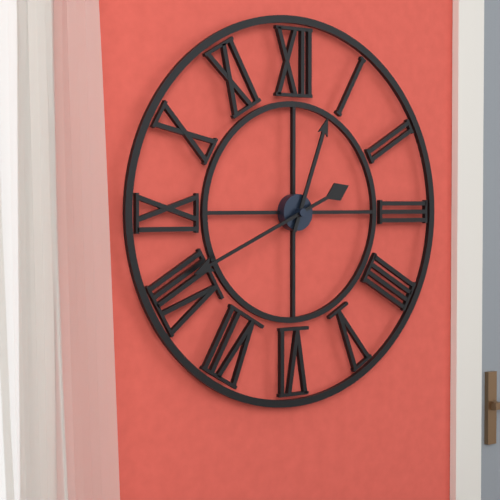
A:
12 h 41 min
